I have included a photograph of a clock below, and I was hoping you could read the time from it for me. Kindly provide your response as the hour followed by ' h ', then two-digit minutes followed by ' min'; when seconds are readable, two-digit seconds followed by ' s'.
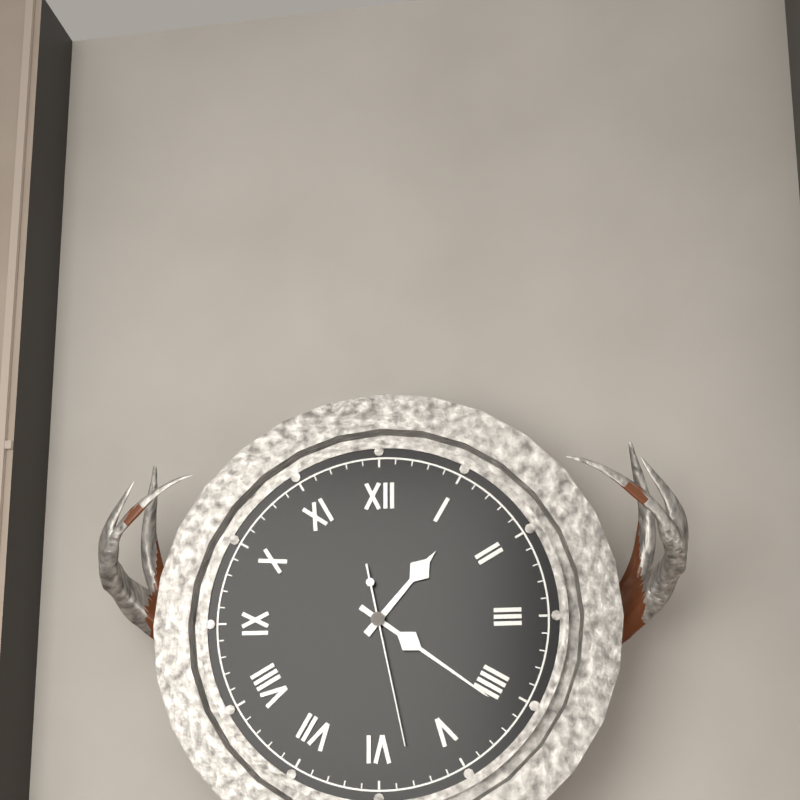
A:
1 h 21 min 28 s
